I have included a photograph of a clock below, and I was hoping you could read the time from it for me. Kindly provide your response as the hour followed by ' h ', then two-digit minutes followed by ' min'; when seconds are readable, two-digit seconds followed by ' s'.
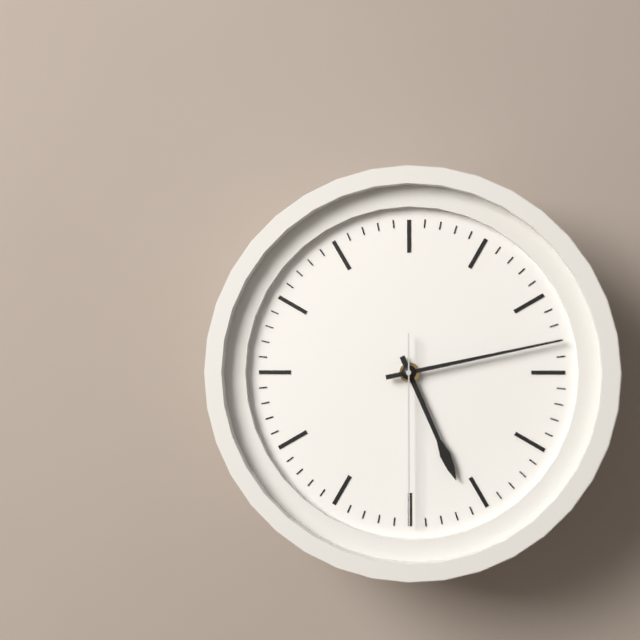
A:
5 h 13 min 30 s
